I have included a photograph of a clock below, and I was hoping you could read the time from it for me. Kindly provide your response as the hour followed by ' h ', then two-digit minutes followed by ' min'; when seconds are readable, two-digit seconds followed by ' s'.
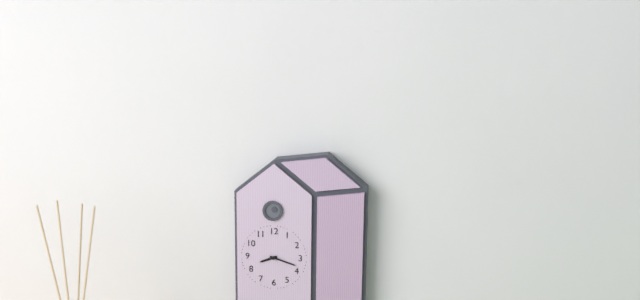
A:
8 h 18 min
